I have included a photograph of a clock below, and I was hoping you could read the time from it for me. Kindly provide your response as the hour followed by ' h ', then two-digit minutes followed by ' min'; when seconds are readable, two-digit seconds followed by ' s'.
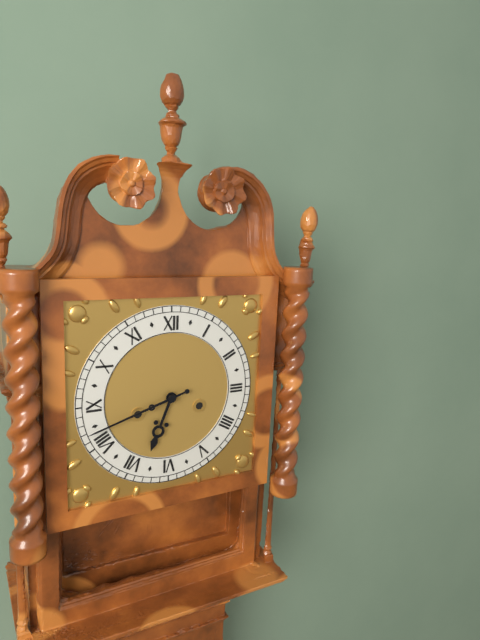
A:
6 h 42 min
